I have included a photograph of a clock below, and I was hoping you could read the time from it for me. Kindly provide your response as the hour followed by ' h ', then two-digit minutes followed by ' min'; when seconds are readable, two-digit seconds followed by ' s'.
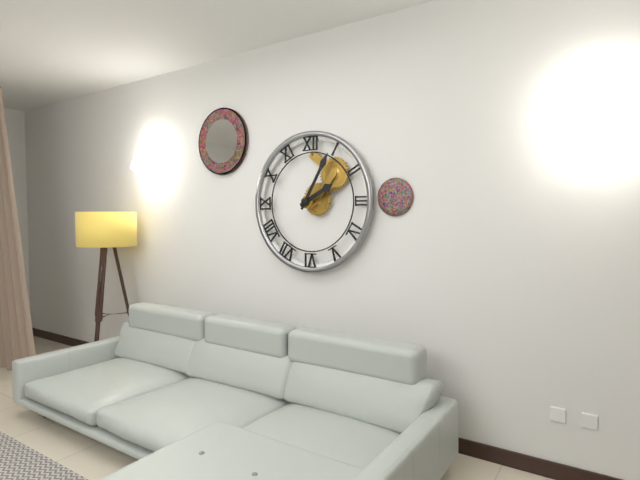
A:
2 h 05 min
